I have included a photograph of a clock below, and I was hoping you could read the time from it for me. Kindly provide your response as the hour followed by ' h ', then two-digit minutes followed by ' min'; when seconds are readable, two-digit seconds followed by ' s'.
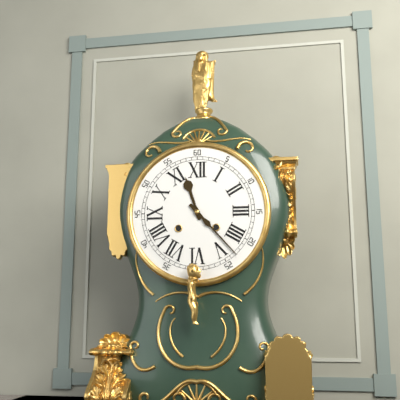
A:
11 h 23 min
